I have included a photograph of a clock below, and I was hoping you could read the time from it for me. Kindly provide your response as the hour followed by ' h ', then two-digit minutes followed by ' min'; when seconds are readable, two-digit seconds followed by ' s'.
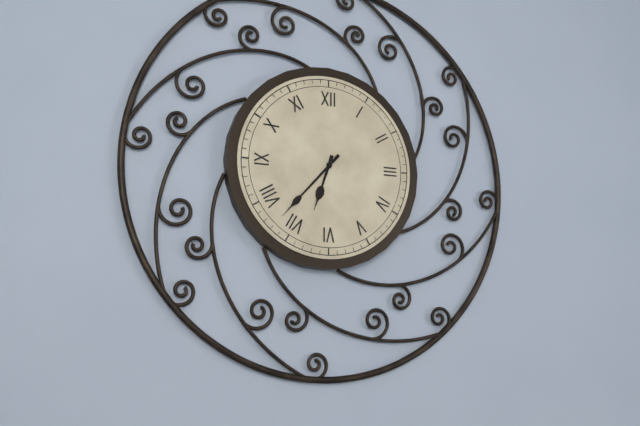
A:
6 h 37 min
